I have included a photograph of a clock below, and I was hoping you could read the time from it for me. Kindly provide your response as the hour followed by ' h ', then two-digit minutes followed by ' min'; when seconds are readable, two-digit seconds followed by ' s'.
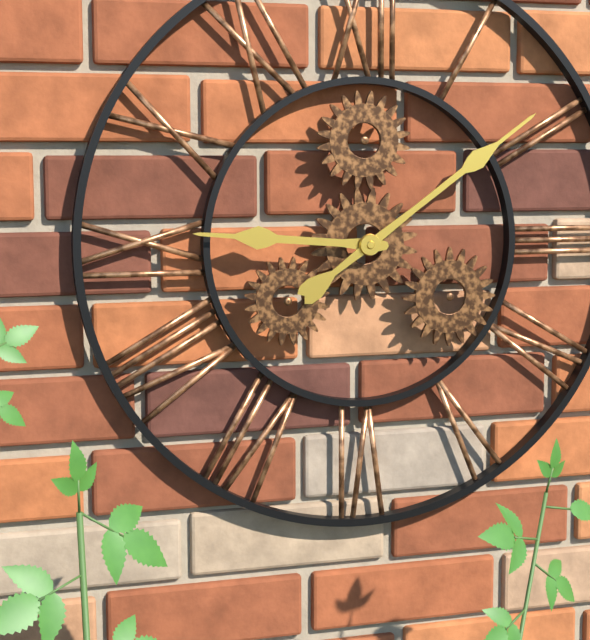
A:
9 h 09 min
